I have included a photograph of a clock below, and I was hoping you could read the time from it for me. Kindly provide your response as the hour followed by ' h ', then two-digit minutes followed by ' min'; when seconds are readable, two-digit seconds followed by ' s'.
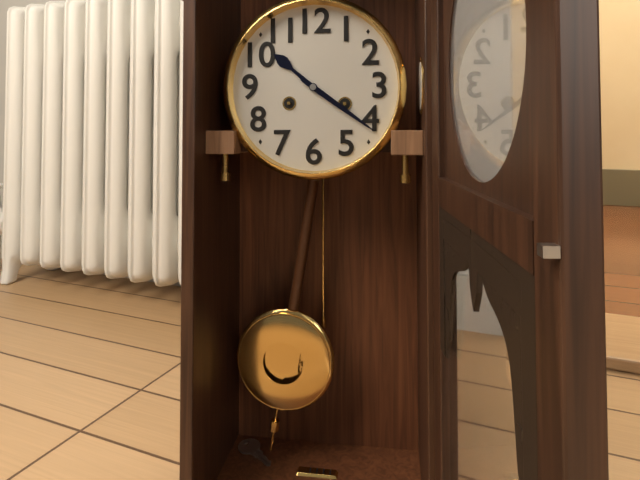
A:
10 h 21 min
